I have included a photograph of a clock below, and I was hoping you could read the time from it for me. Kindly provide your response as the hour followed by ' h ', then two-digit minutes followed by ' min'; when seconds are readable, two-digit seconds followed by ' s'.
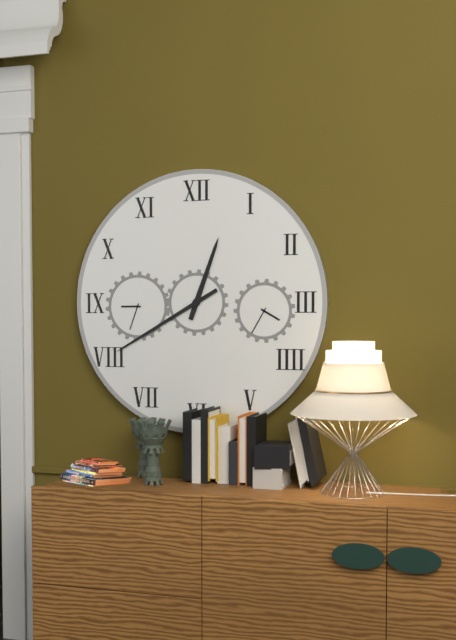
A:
12 h 40 min
